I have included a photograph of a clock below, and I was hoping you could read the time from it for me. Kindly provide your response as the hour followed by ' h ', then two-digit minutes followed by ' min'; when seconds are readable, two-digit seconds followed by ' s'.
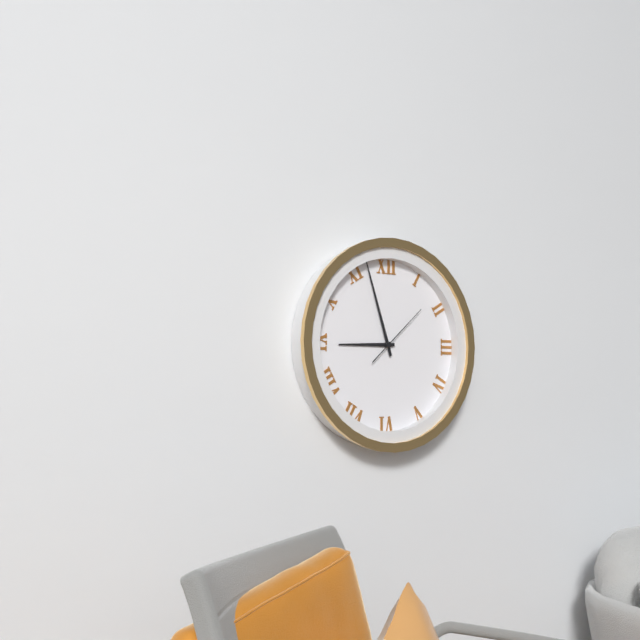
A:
8 h 57 min 08 s
